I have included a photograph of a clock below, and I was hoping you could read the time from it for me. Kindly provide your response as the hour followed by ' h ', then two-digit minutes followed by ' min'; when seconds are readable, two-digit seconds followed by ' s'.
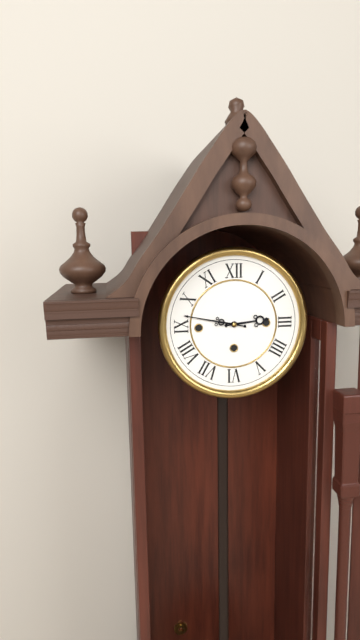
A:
2 h 47 min
